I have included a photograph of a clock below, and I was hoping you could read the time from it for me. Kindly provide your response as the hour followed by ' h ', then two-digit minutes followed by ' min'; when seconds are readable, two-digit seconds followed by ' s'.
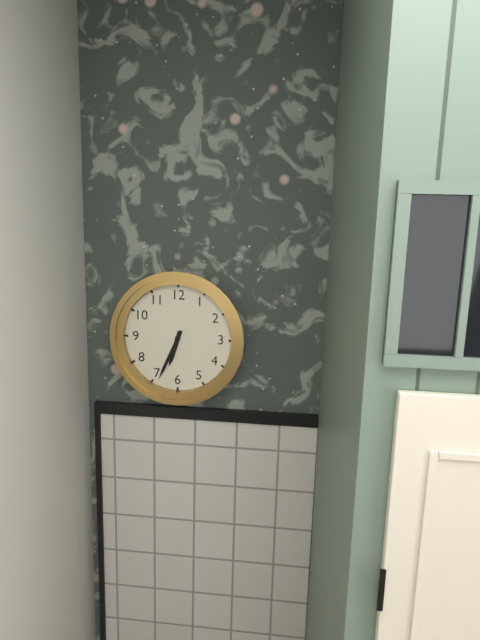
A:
6 h 34 min
